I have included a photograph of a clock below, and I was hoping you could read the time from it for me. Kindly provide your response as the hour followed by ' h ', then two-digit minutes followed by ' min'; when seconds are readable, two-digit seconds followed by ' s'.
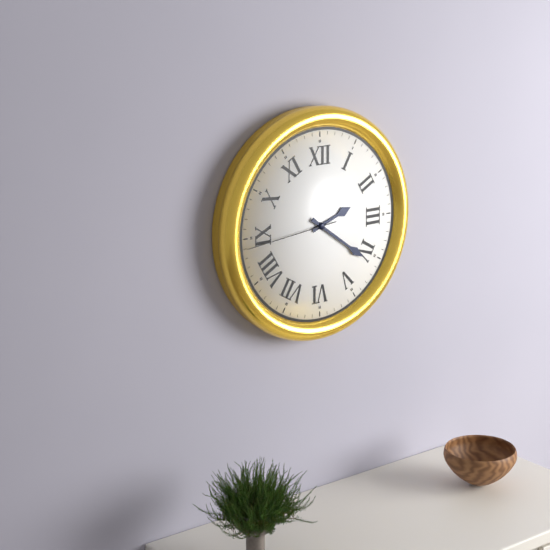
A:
2 h 21 min 44 s
